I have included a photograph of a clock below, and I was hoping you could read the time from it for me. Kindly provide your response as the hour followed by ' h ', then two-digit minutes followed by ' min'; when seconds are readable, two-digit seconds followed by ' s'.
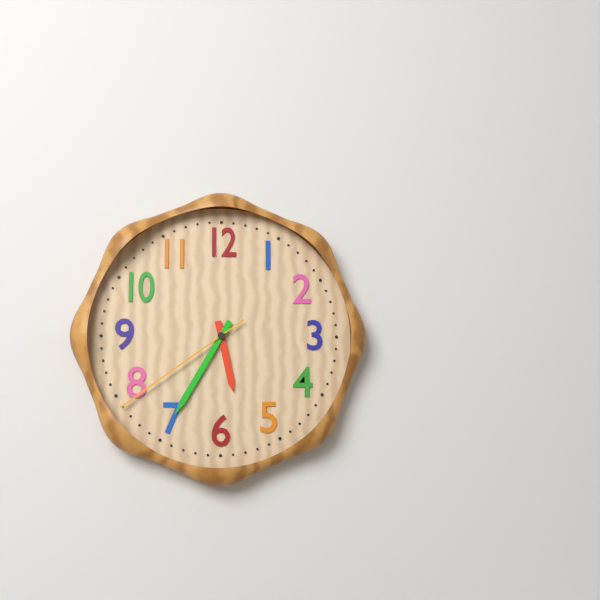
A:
5 h 35 min 39 s
